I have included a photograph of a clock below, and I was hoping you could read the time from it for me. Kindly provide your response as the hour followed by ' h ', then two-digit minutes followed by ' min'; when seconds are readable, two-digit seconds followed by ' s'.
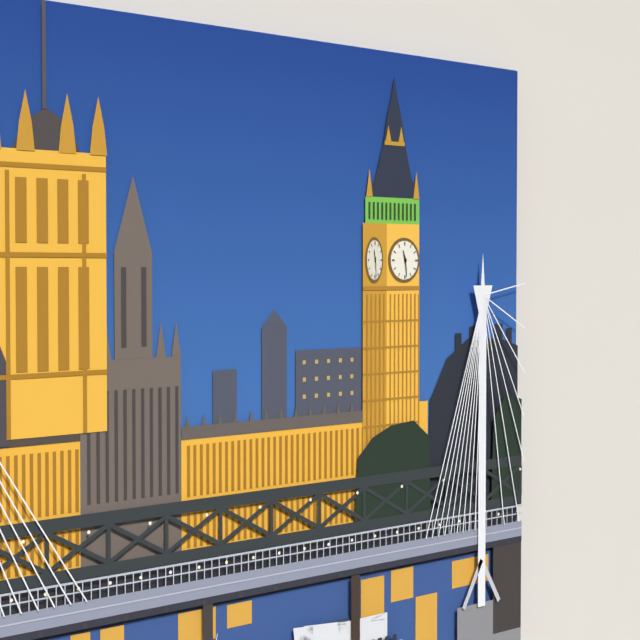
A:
11 h 29 min
